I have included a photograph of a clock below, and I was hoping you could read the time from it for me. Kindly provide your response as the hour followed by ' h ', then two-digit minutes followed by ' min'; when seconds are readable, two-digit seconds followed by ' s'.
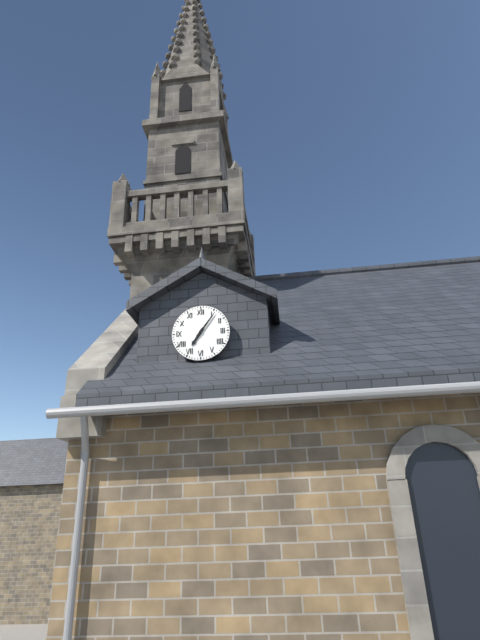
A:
7 h 06 min
